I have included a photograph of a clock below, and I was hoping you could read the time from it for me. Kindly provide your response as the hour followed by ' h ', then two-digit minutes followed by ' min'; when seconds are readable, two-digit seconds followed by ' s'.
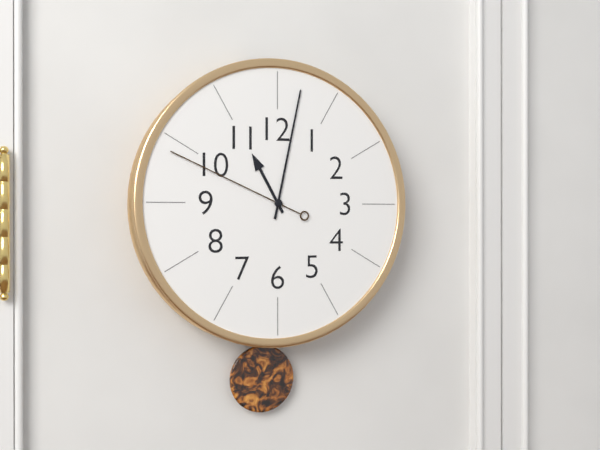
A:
11 h 02 min 49 s
